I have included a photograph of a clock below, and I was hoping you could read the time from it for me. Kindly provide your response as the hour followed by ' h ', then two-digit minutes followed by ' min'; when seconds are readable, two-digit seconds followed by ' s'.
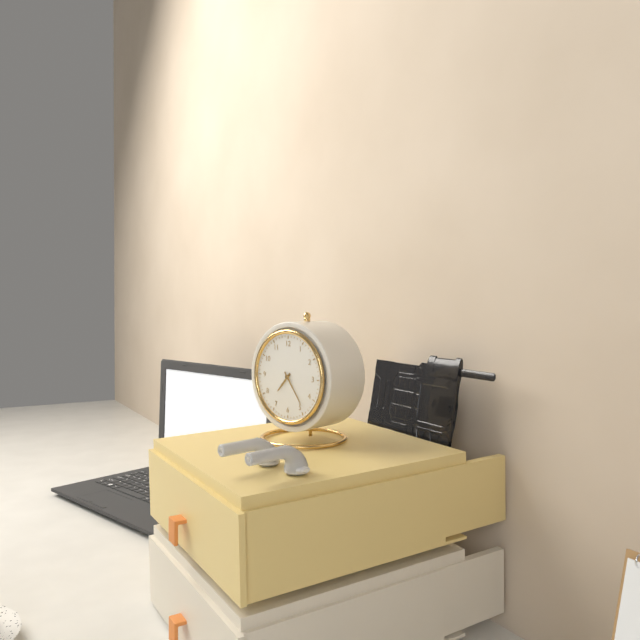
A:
7 h 24 min
